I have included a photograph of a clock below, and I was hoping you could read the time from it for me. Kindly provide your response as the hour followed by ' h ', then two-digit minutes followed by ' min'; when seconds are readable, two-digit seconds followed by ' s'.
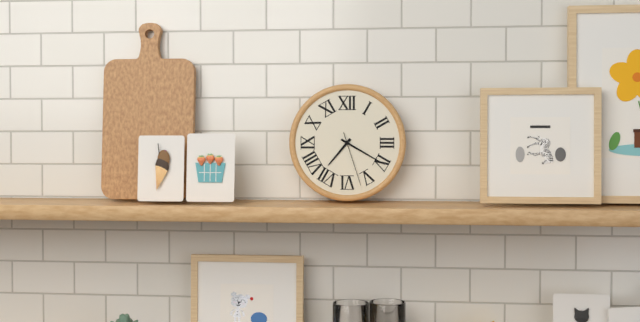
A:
7 h 20 min 27 s
